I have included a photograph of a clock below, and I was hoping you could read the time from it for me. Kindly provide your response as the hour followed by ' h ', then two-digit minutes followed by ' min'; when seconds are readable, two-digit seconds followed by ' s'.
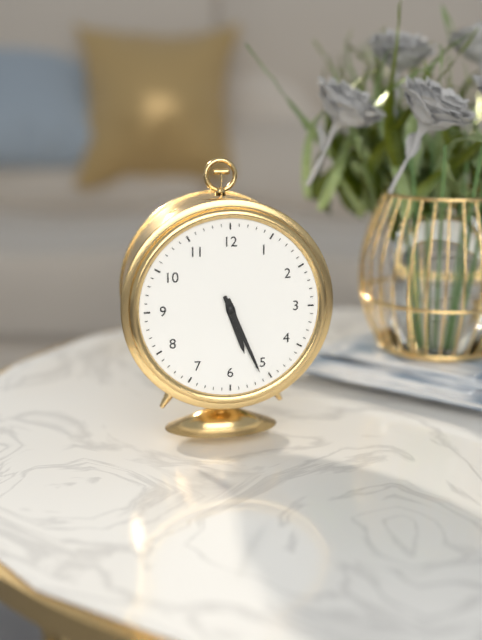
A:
5 h 26 min
